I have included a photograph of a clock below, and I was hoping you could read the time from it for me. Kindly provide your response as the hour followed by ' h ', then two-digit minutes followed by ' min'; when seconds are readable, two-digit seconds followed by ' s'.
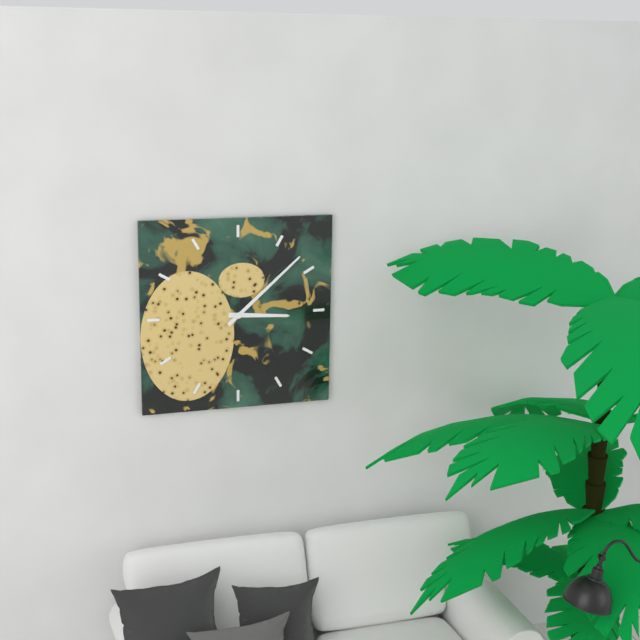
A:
3 h 08 min
